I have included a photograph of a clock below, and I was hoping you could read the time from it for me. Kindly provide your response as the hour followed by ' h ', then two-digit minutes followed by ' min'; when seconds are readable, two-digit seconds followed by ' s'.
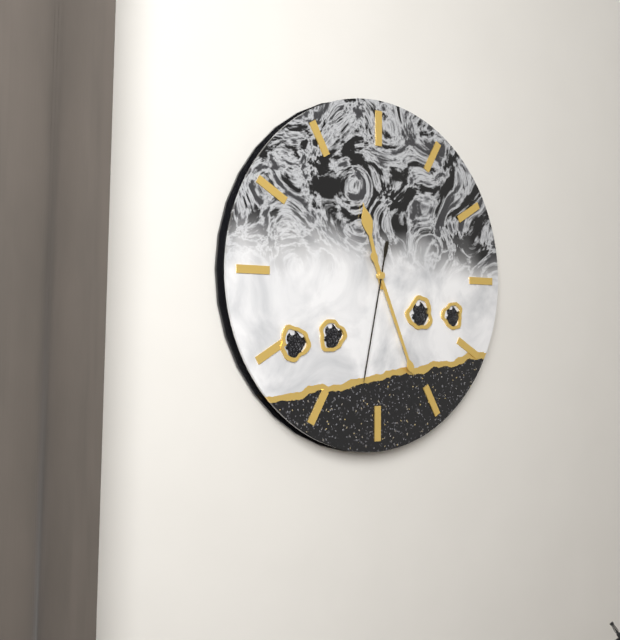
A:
11 h 26 min 32 s
